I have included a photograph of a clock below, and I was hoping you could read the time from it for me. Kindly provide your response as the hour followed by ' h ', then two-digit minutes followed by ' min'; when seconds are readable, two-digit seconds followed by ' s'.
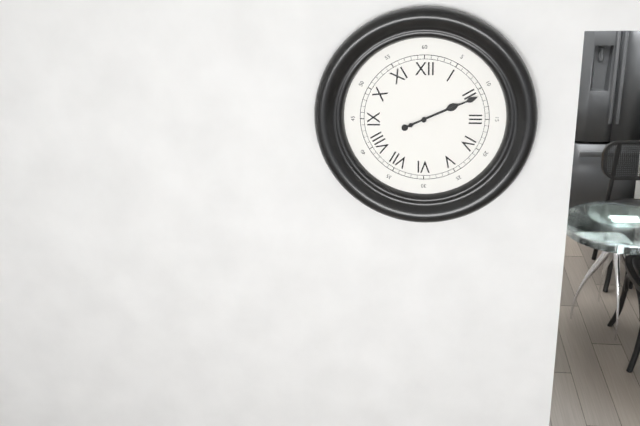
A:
2 h 11 min
